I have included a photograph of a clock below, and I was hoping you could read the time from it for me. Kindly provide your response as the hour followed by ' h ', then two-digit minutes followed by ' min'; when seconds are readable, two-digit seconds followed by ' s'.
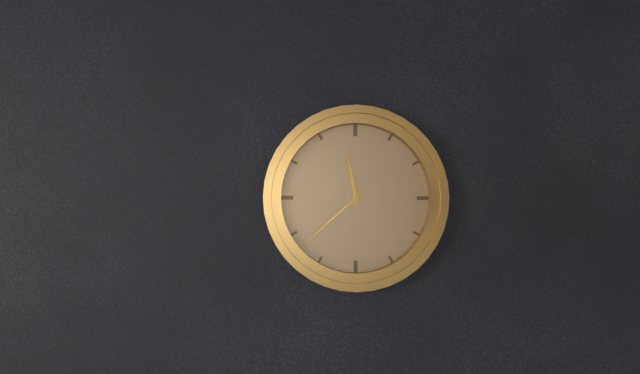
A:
11 h 38 min
